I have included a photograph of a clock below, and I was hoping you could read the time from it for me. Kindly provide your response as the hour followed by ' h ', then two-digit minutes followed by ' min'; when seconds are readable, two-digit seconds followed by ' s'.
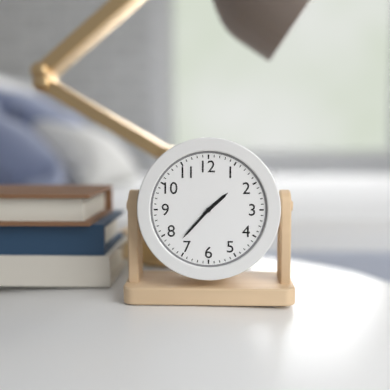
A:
1 h 37 min
